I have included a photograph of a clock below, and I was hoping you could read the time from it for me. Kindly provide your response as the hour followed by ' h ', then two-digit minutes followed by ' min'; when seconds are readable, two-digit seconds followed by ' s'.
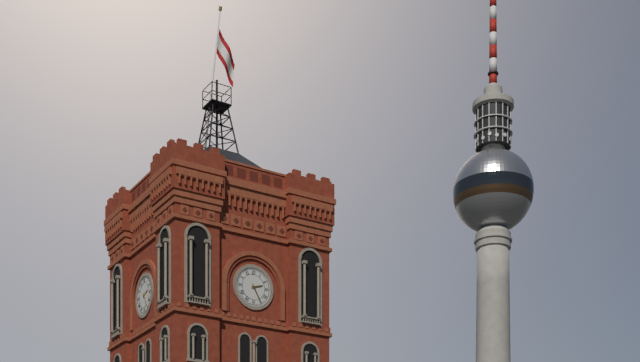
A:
2 h 25 min
